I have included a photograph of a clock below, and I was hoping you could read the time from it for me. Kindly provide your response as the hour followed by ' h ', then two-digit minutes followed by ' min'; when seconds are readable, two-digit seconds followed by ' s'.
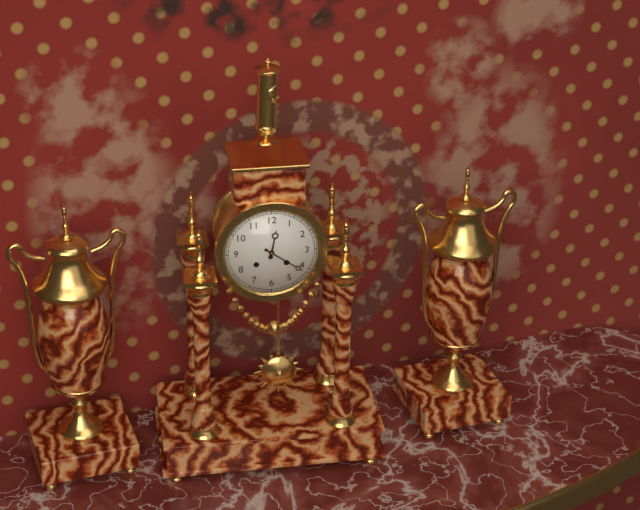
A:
12 h 21 min
